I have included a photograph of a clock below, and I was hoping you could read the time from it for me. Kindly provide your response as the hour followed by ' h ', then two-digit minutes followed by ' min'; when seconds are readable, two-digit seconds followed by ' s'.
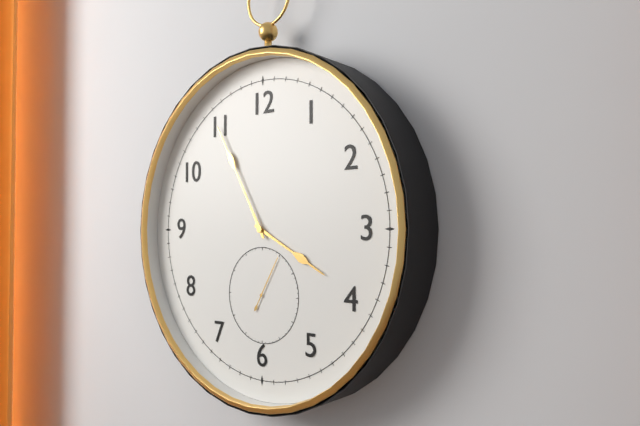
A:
3 h 55 min 05 s
